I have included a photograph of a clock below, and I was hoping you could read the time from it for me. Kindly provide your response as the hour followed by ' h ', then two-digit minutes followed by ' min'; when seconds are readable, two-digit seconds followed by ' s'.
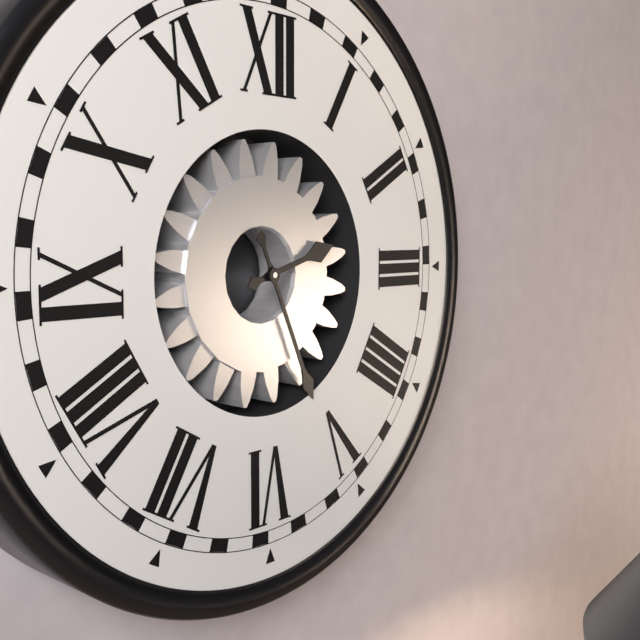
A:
2 h 26 min
